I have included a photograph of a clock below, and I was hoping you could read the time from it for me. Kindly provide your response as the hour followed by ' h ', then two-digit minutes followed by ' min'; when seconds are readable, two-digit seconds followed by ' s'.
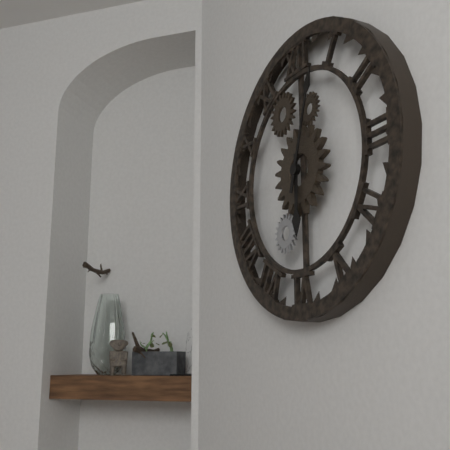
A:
6 h 03 min
